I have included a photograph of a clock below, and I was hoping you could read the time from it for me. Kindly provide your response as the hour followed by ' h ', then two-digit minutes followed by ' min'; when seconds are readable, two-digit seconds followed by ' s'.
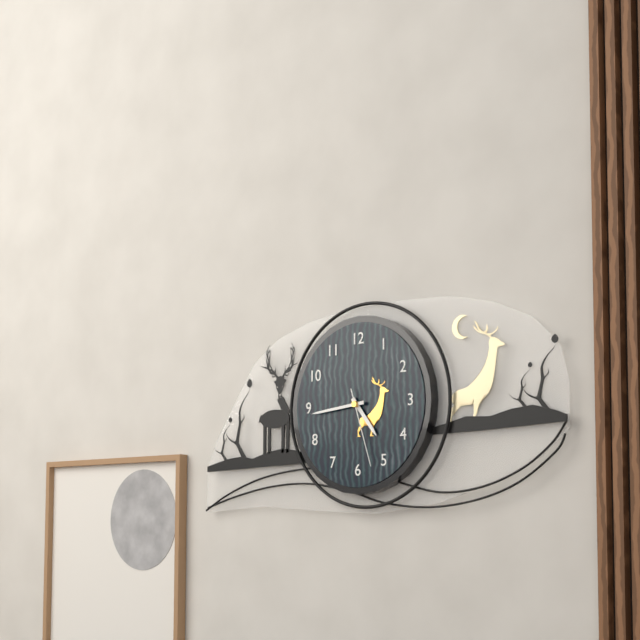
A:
4 h 44 min 27 s
